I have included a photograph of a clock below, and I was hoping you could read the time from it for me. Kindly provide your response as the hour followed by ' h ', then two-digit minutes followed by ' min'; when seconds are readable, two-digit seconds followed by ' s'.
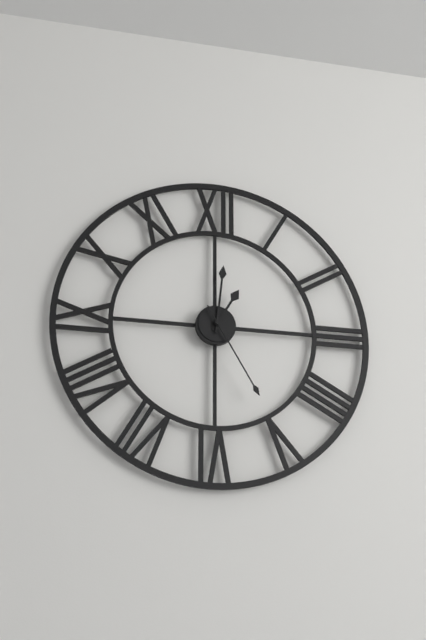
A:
1 h 01 min 25 s
